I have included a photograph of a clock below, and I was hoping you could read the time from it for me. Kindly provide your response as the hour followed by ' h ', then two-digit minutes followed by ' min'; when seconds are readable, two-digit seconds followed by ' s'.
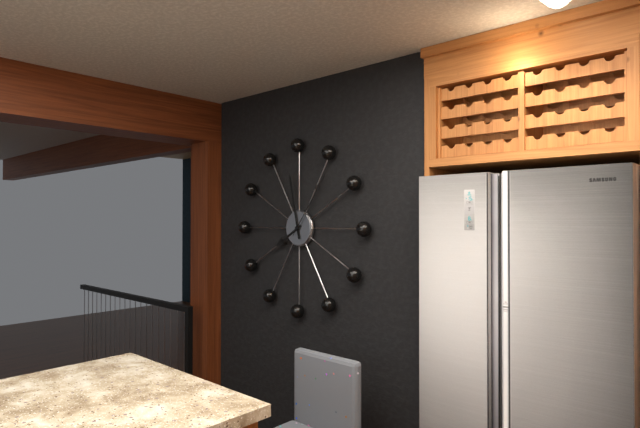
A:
7 h 58 min 06 s
